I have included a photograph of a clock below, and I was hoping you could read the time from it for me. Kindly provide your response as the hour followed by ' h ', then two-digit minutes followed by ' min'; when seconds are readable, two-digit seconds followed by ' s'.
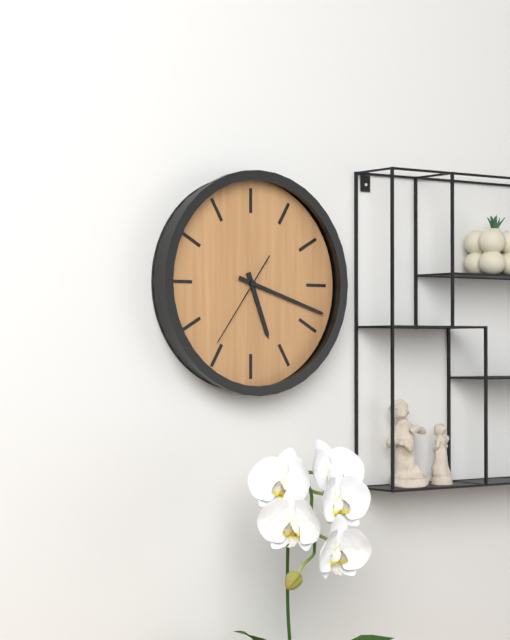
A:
5 h 18 min 36 s
